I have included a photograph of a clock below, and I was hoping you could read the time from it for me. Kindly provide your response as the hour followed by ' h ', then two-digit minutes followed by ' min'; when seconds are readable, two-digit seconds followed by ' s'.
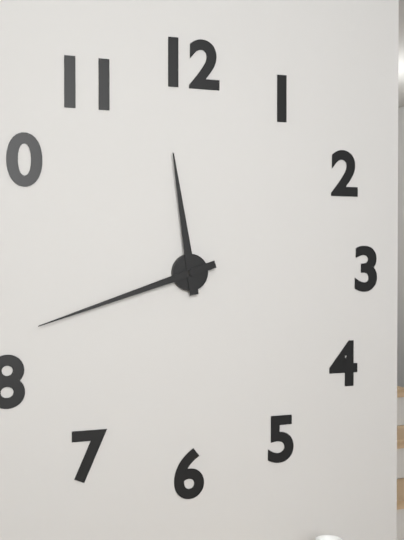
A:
11 h 42 min
